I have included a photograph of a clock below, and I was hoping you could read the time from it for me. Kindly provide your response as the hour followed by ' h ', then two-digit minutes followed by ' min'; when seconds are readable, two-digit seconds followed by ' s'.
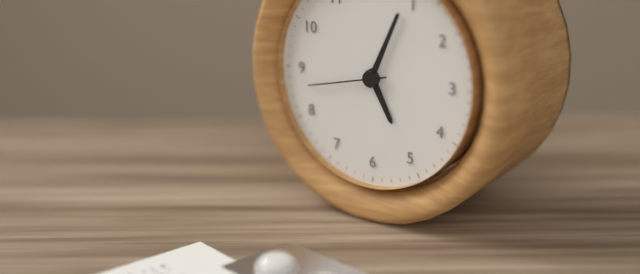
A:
5 h 04 min 43 s
